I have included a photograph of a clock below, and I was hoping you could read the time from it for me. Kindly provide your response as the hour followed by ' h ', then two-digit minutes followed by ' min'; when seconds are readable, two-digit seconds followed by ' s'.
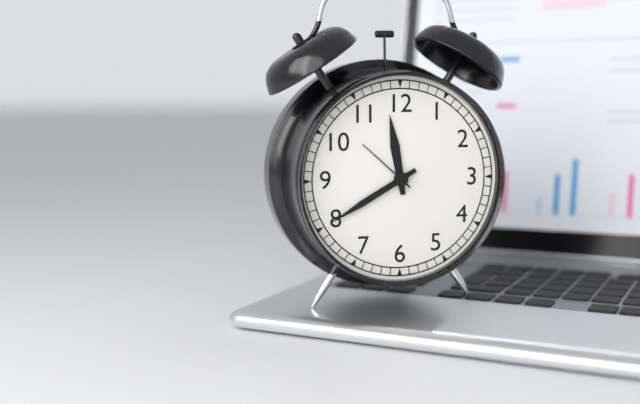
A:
11 h 40 min 52 s
